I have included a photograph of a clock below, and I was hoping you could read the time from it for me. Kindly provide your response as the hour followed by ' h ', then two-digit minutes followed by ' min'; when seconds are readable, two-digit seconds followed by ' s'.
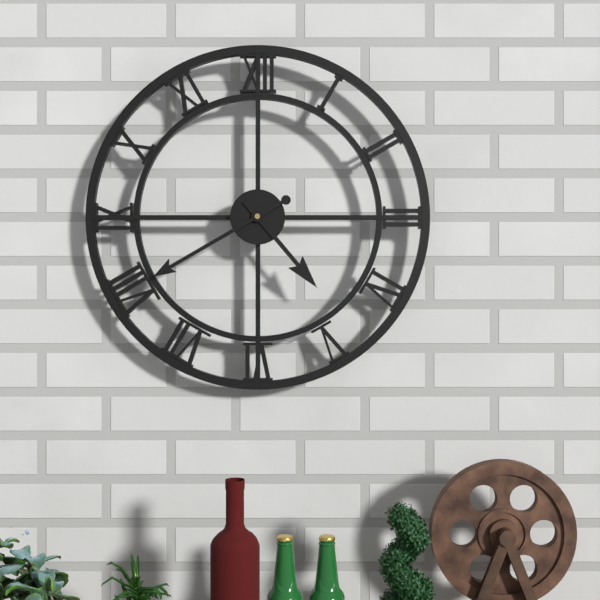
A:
4 h 40 min
